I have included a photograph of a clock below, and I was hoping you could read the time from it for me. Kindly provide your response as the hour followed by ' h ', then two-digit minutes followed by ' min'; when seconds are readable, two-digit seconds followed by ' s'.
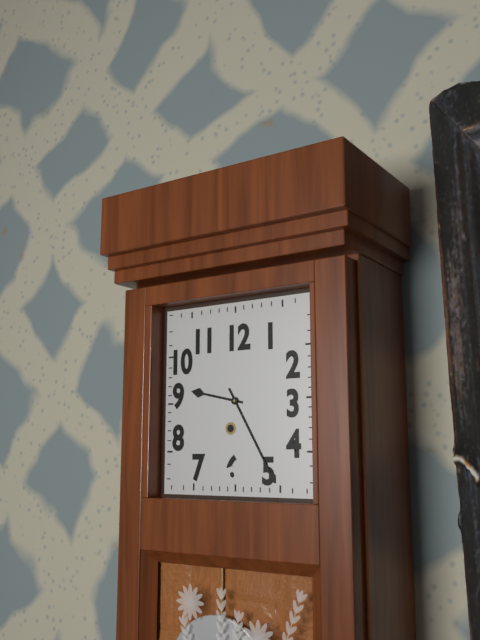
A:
9 h 25 min
